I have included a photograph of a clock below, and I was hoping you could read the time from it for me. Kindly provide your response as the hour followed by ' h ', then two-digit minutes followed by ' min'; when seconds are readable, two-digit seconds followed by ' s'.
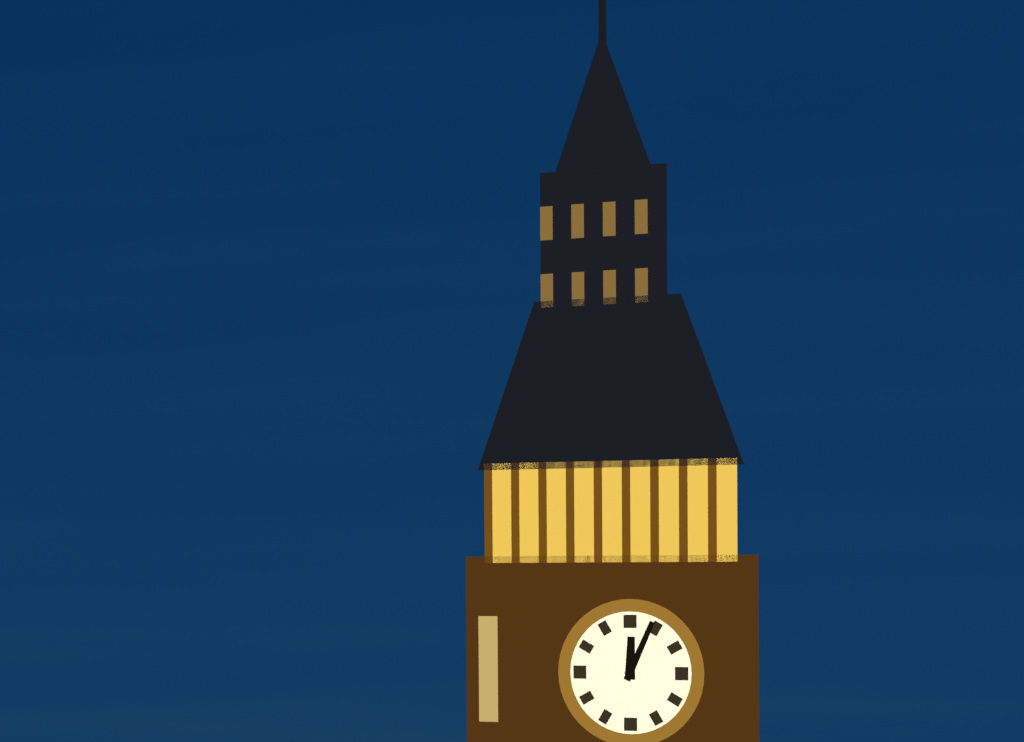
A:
12 h 04 min
